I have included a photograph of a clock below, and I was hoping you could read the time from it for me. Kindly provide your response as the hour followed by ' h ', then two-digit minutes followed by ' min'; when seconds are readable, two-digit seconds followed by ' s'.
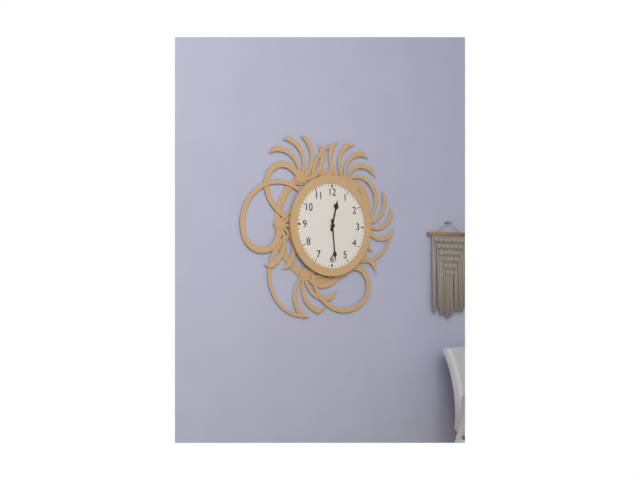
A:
12 h 29 min
